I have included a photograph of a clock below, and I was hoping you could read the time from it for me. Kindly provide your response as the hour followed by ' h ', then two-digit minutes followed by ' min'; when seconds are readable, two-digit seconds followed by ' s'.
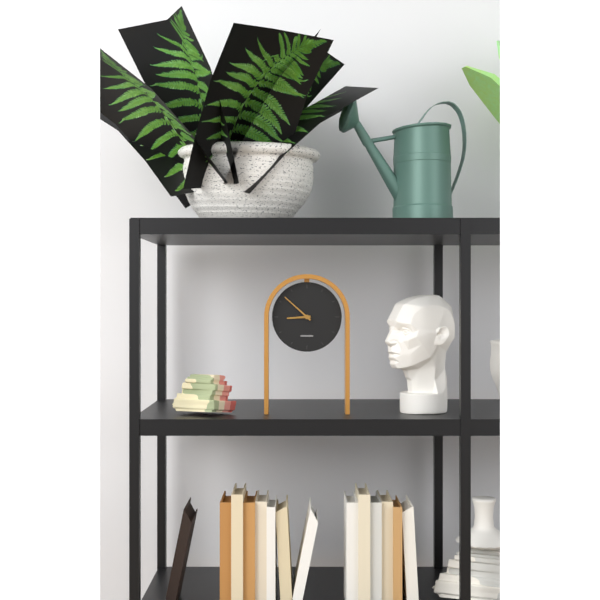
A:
8 h 52 min
